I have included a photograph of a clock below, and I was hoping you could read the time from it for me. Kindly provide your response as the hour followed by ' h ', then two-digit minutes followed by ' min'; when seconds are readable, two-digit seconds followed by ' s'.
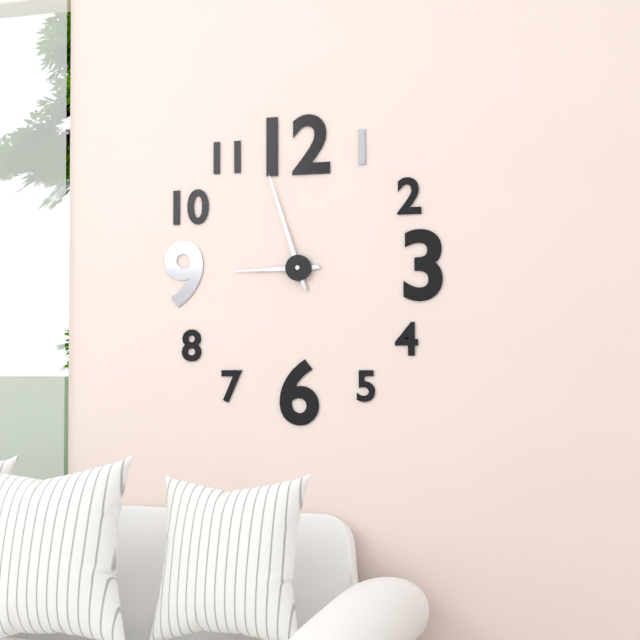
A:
8 h 57 min
